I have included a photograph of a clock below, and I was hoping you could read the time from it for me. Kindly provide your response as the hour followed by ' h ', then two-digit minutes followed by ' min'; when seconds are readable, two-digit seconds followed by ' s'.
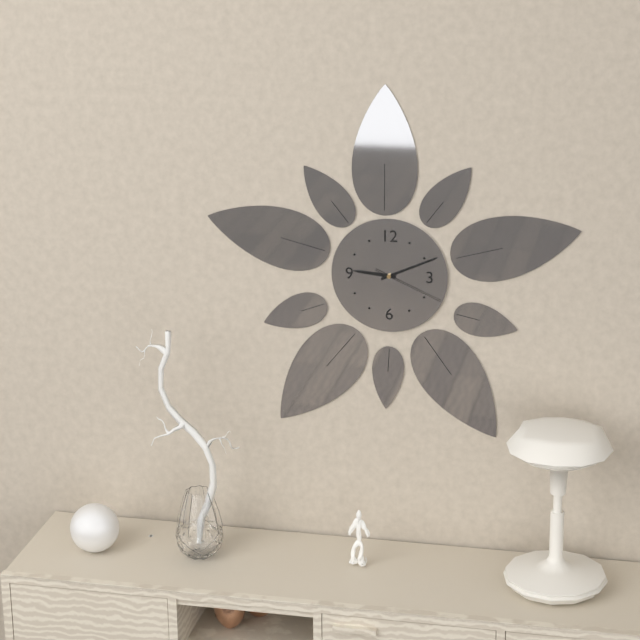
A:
9 h 11 min 19 s
